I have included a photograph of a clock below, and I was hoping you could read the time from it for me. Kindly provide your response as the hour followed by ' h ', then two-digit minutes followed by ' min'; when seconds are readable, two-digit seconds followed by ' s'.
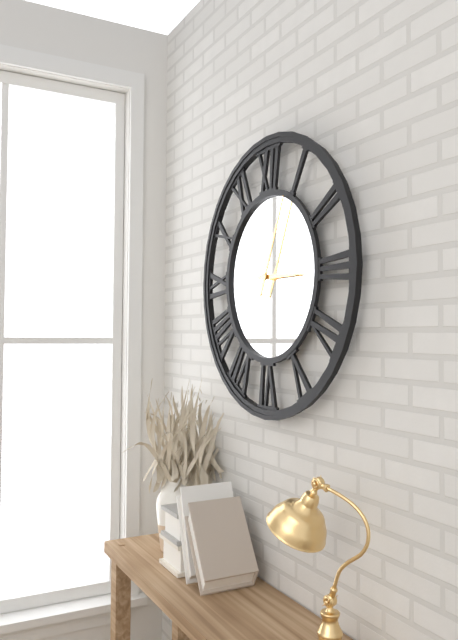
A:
3 h 04 min
